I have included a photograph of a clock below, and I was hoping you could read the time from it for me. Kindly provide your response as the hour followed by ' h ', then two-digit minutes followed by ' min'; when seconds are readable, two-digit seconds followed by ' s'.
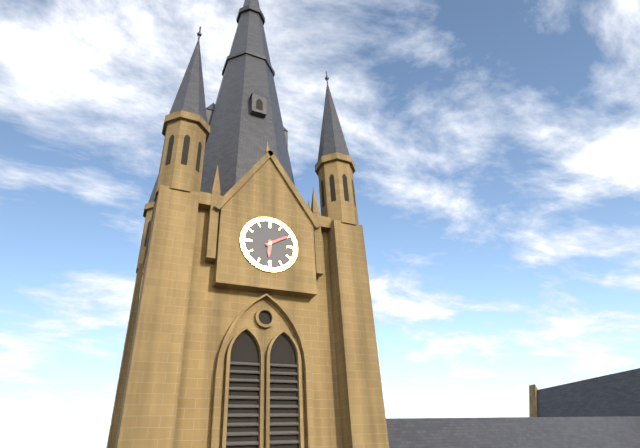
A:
6 h 10 min
